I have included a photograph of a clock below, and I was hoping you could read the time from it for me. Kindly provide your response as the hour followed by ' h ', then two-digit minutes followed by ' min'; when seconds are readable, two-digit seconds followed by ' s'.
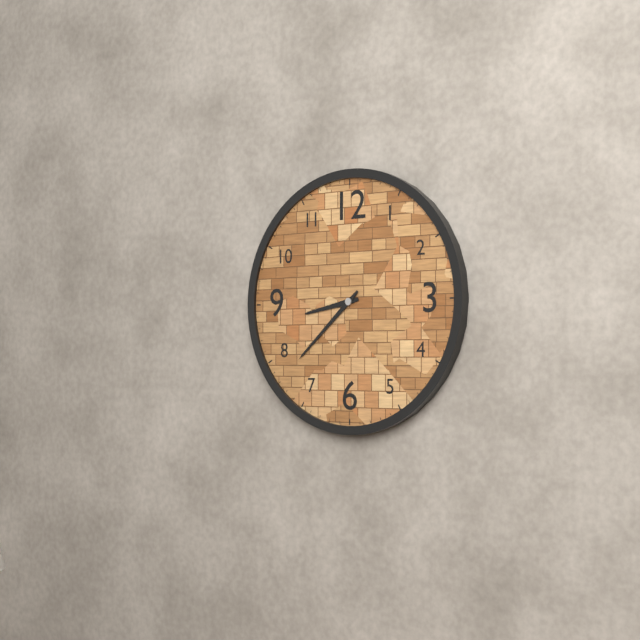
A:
8 h 38 min
